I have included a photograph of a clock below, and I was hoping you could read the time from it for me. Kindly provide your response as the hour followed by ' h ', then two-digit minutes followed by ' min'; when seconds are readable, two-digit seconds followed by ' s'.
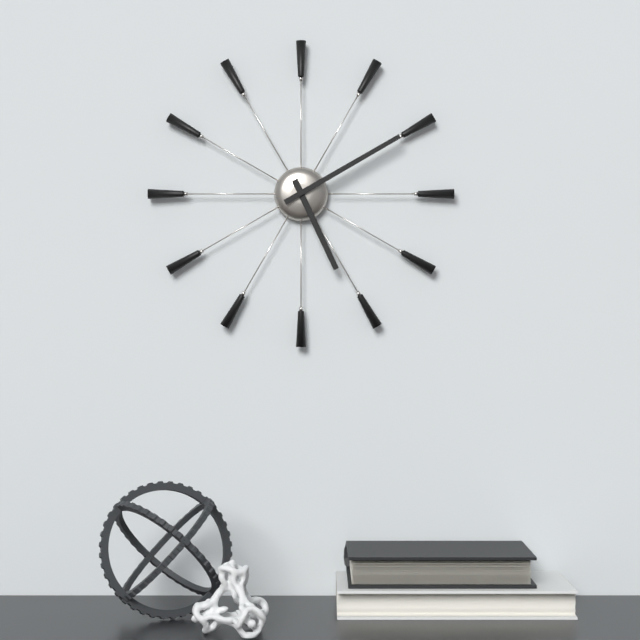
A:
5 h 10 min
